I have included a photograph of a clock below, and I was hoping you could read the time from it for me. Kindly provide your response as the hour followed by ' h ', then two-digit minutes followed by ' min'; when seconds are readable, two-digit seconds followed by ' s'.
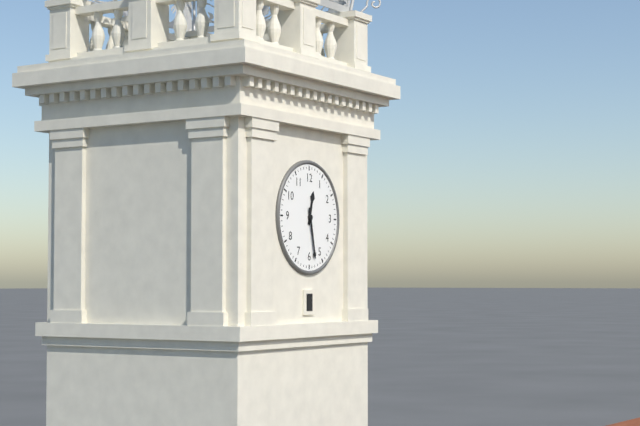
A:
12 h 28 min
